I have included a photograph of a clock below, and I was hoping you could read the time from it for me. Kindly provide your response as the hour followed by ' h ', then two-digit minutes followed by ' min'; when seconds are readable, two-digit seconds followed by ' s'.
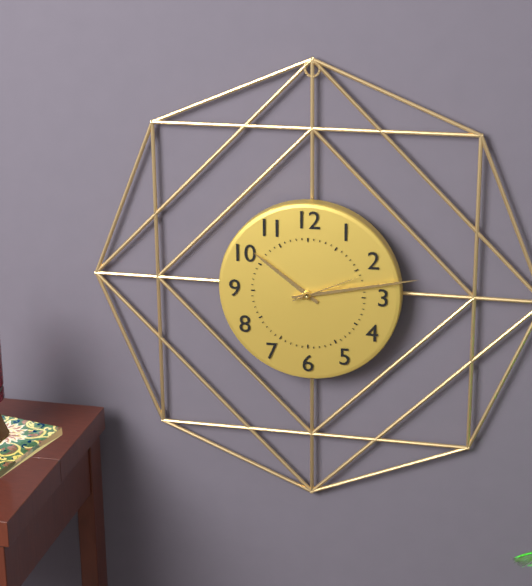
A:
10 h 13 min 11 s
